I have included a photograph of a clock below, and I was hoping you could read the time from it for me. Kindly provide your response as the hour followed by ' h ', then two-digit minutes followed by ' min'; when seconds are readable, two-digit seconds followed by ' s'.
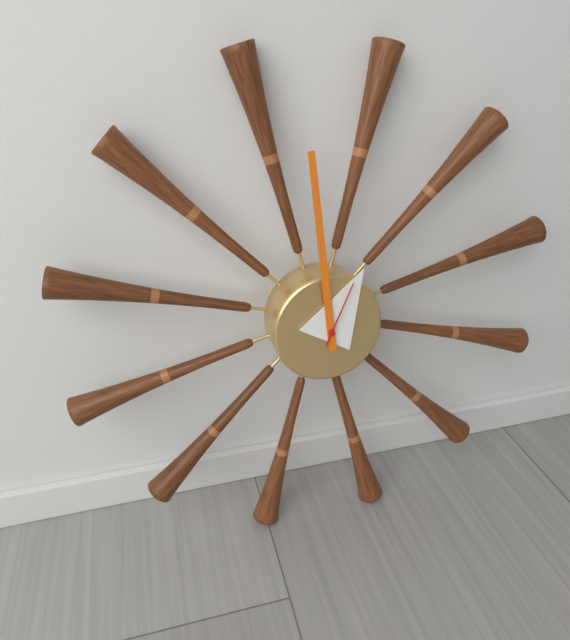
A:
12 h 59 min 04 s
